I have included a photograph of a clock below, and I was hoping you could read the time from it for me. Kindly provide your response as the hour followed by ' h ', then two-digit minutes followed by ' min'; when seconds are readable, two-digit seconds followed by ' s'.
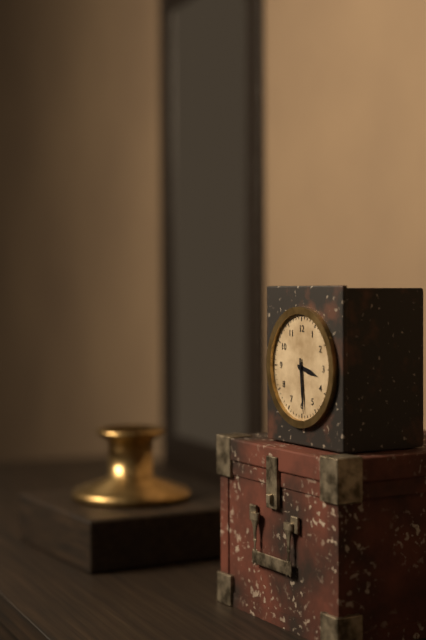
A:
3 h 29 min
